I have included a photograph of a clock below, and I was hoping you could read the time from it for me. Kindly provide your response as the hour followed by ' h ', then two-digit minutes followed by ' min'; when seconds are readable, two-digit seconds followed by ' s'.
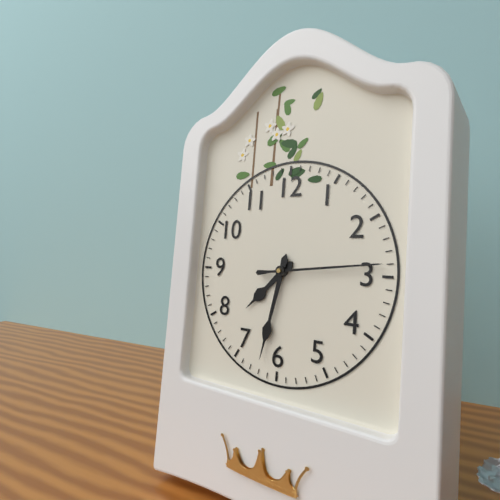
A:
7 h 32 min 14 s
